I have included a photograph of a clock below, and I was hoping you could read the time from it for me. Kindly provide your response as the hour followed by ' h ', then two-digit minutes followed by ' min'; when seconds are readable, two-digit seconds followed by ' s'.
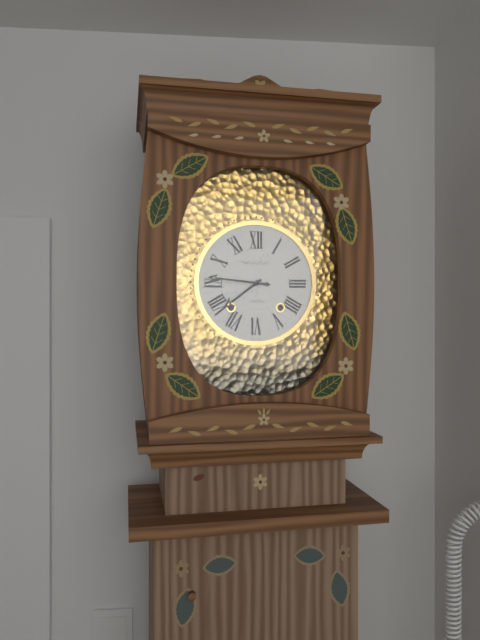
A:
7 h 46 min
